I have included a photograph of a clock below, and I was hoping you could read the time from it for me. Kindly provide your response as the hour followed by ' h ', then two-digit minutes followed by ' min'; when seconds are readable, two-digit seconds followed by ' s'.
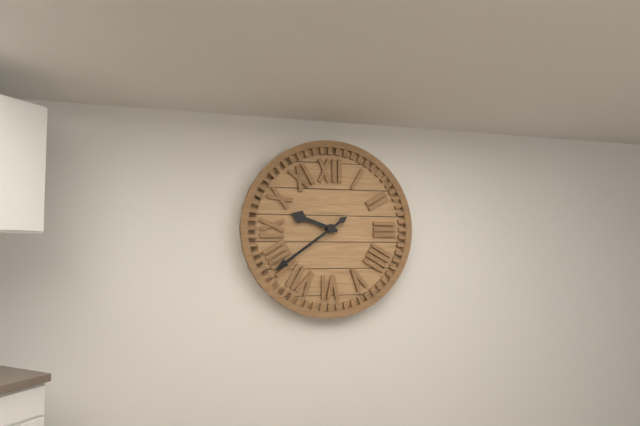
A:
9 h 39 min
